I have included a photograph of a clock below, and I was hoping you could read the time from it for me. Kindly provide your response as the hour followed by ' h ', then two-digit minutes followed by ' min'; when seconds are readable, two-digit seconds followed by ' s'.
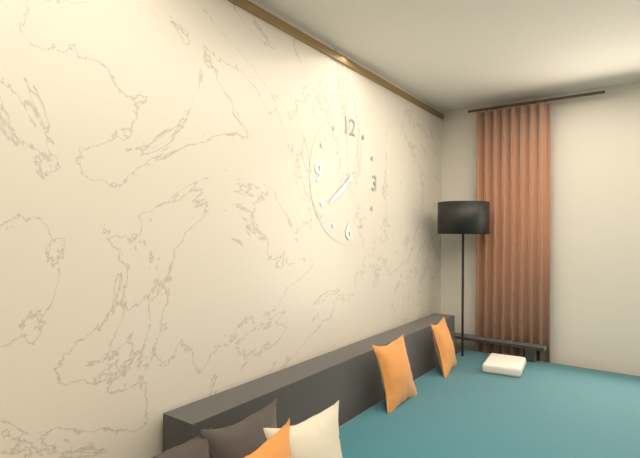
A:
7 h 39 min
